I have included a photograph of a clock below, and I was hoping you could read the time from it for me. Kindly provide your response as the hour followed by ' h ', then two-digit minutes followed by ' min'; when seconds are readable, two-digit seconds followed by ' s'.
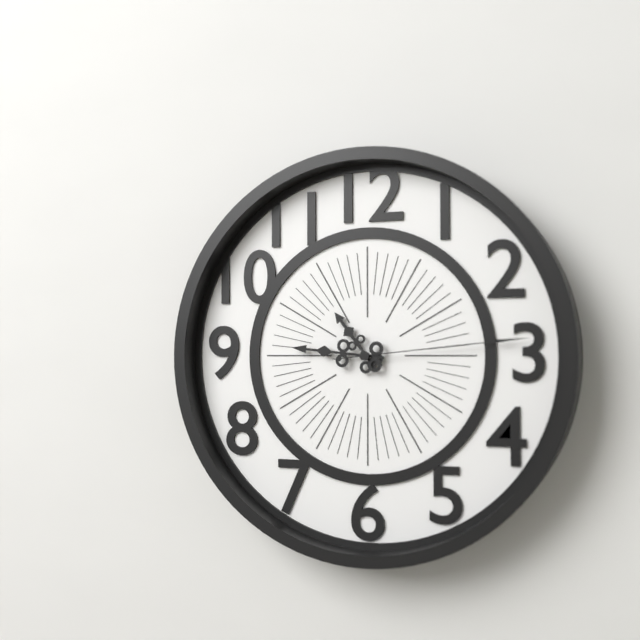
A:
10 h 46 min 14 s
